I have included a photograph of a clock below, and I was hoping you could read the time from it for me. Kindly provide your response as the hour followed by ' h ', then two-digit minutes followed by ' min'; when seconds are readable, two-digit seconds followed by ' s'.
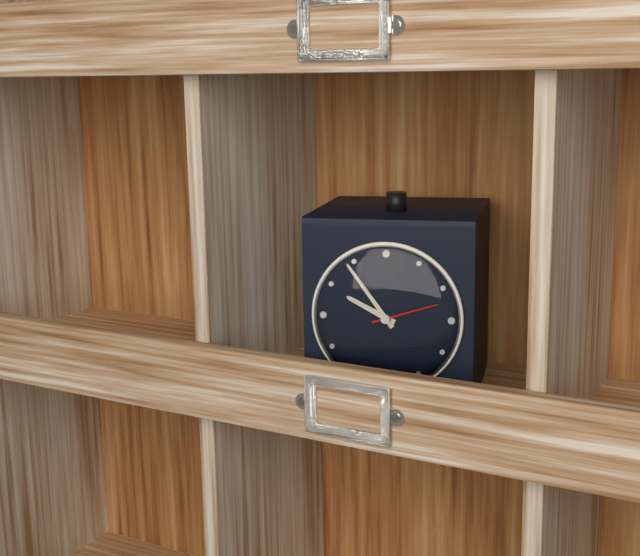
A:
9 h 54 min 12 s
